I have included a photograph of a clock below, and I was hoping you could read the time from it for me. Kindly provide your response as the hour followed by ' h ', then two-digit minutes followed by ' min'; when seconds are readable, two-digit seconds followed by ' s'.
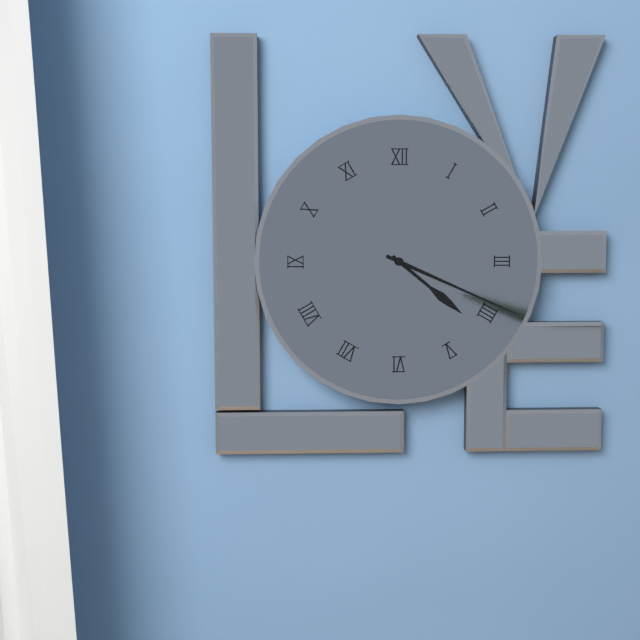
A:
4 h 19 min
